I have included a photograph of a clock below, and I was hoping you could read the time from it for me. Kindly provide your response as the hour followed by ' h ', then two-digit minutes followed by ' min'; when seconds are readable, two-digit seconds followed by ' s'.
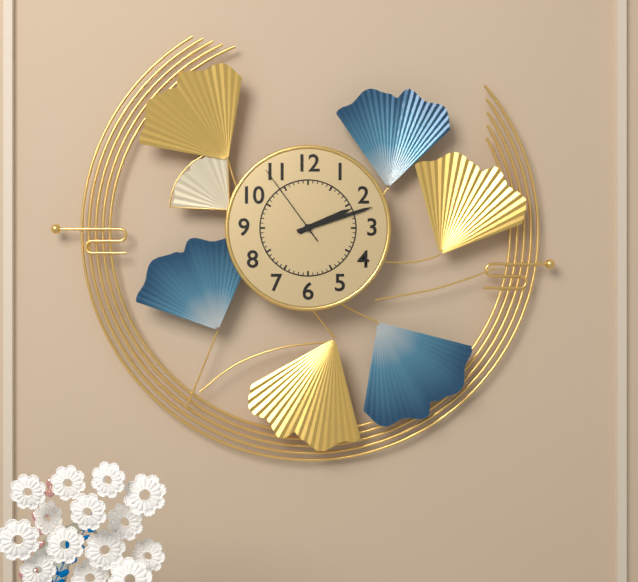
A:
2 h 12 min 54 s
